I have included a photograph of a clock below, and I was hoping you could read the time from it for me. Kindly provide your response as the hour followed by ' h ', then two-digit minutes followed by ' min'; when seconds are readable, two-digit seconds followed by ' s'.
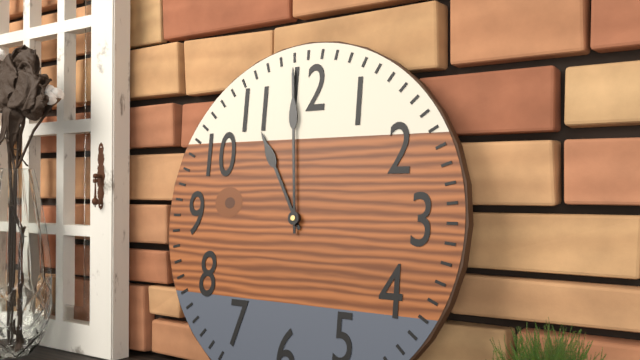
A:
10 h 59 min
